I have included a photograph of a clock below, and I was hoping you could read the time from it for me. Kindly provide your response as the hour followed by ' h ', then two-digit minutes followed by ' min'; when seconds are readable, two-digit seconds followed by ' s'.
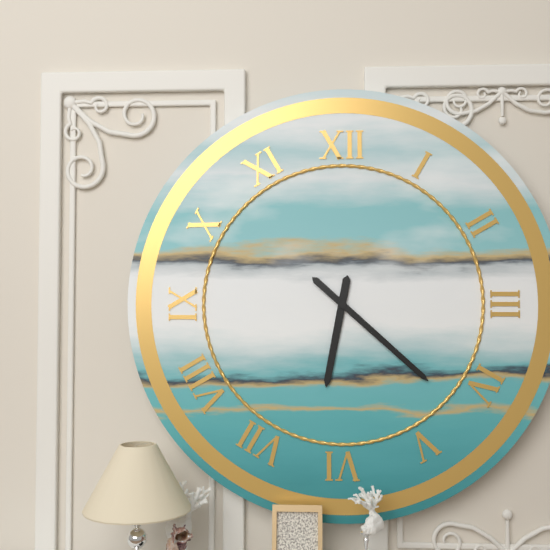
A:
6 h 22 min
